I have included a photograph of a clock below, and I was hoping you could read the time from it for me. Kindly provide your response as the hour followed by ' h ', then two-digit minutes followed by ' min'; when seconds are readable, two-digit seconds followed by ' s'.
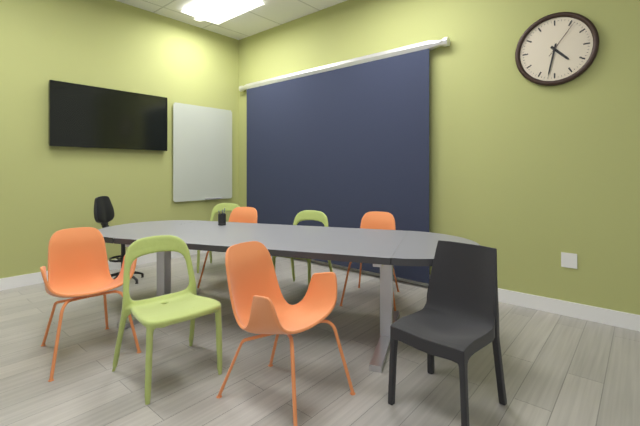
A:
4 h 32 min
